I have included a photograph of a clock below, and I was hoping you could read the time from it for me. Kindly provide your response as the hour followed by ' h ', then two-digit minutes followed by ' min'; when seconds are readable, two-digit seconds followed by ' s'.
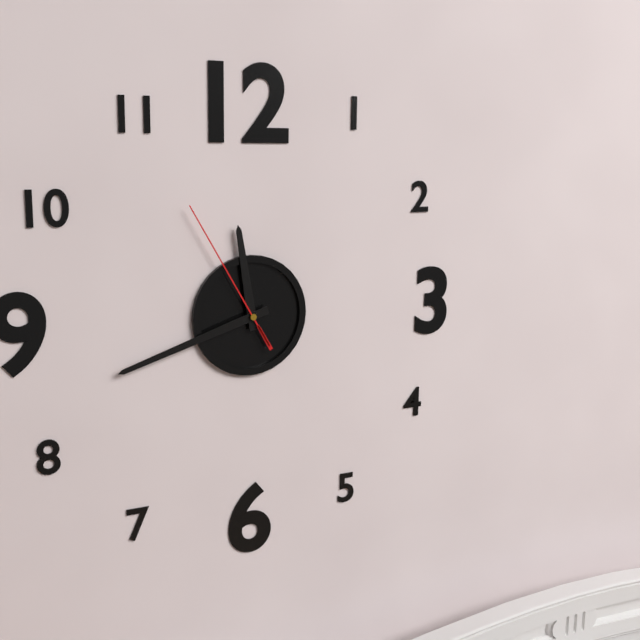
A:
11 h 42 min 55 s
